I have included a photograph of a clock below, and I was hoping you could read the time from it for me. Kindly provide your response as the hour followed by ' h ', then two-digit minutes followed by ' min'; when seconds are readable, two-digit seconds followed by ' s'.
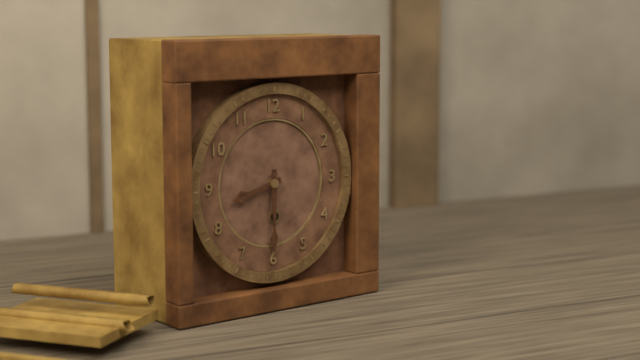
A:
8 h 30 min
